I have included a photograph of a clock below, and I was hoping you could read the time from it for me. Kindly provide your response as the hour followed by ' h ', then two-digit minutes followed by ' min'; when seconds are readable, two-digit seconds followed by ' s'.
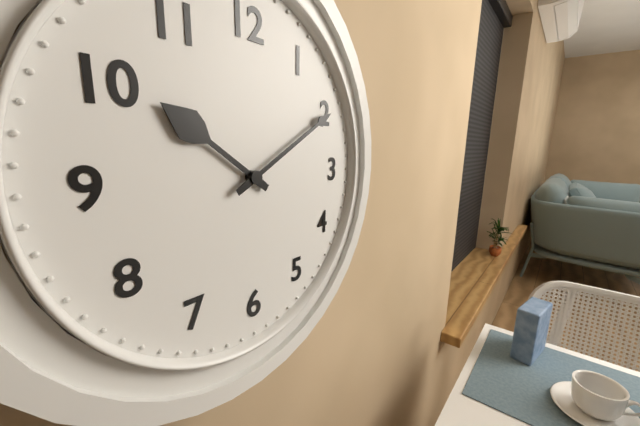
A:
10 h 10 min
